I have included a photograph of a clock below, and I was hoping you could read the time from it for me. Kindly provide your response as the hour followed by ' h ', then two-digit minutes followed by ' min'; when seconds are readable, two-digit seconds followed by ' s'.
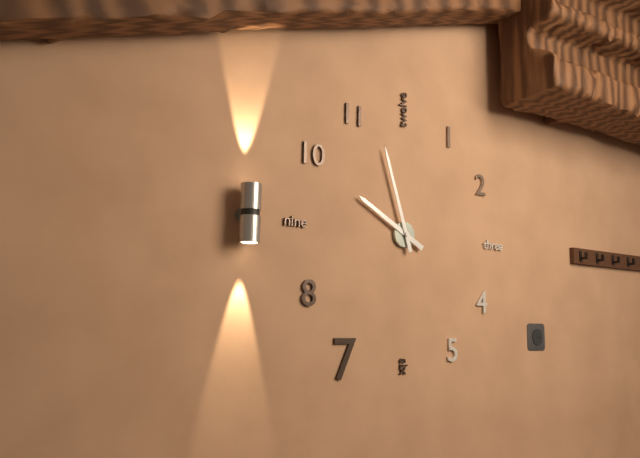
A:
9 h 57 min
